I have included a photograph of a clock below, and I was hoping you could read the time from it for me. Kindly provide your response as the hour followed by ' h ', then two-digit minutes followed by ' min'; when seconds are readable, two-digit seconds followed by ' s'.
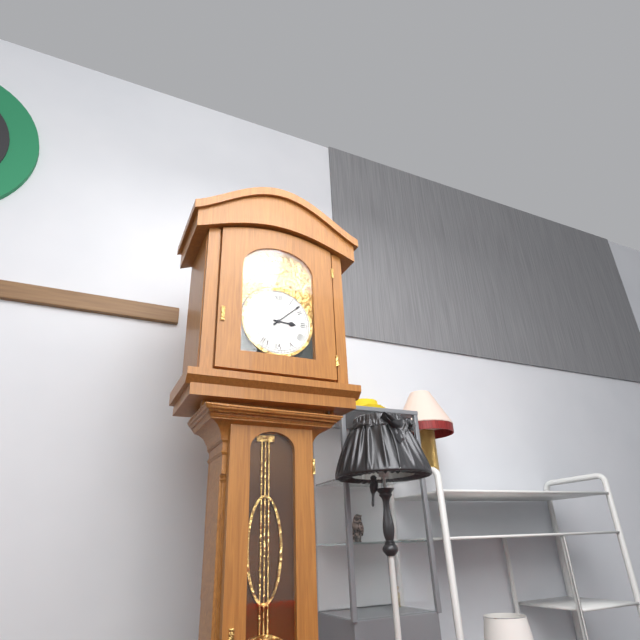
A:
3 h 08 min
